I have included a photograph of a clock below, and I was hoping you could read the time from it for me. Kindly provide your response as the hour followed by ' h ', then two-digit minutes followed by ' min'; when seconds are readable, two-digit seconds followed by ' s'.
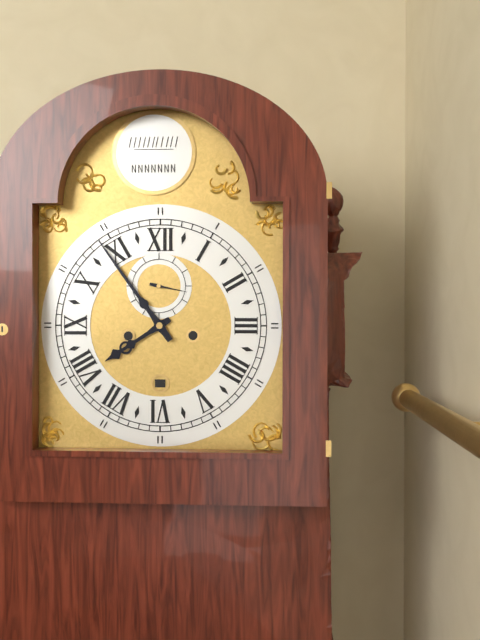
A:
7 h 54 min
